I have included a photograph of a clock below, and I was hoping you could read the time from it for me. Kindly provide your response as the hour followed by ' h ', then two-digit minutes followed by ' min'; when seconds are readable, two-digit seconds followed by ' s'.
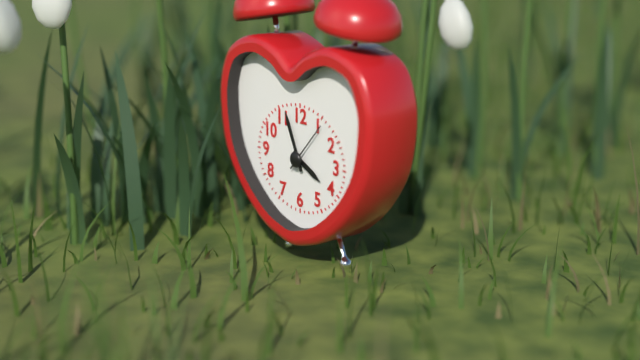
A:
3 h 56 min 07 s
